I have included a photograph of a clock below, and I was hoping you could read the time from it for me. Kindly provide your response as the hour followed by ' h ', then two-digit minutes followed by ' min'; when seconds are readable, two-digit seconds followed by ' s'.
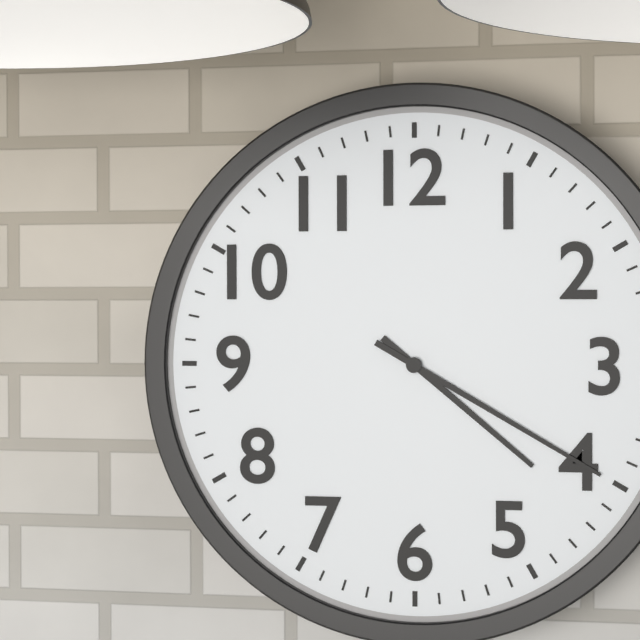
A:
4 h 20 min
